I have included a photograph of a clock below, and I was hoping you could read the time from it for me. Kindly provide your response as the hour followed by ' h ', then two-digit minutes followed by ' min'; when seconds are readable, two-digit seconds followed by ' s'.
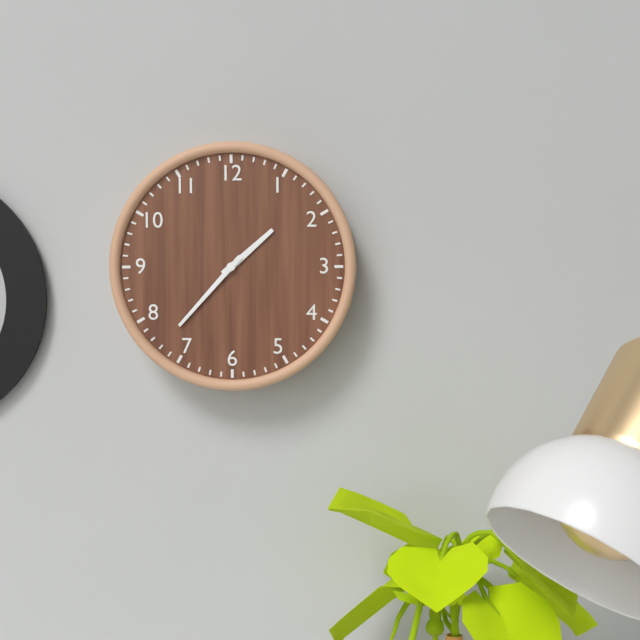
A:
1 h 37 min
